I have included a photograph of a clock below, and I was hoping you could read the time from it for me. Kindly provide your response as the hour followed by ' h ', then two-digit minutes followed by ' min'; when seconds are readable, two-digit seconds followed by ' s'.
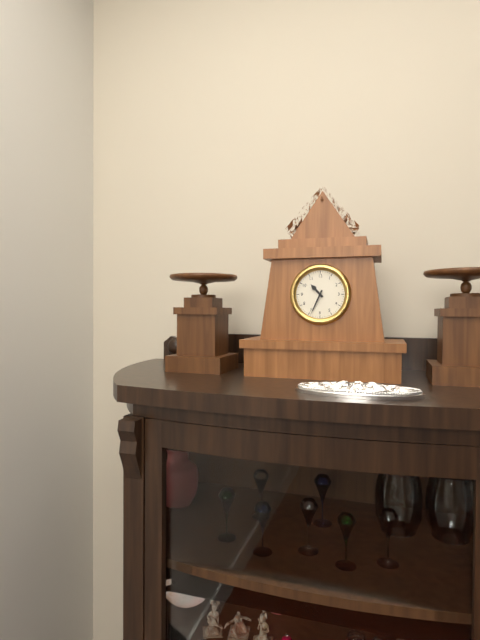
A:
10 h 34 min
